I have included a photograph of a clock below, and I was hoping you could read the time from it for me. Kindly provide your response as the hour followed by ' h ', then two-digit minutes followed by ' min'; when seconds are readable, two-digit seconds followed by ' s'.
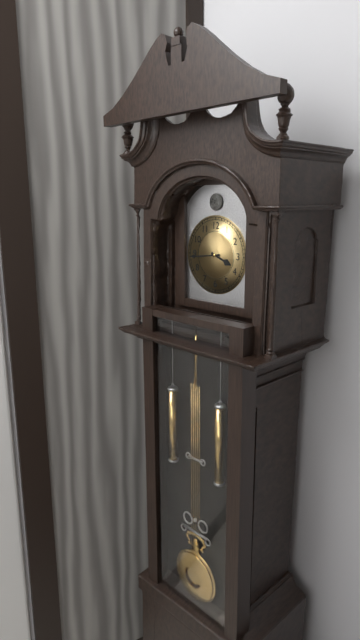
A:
3 h 44 min
